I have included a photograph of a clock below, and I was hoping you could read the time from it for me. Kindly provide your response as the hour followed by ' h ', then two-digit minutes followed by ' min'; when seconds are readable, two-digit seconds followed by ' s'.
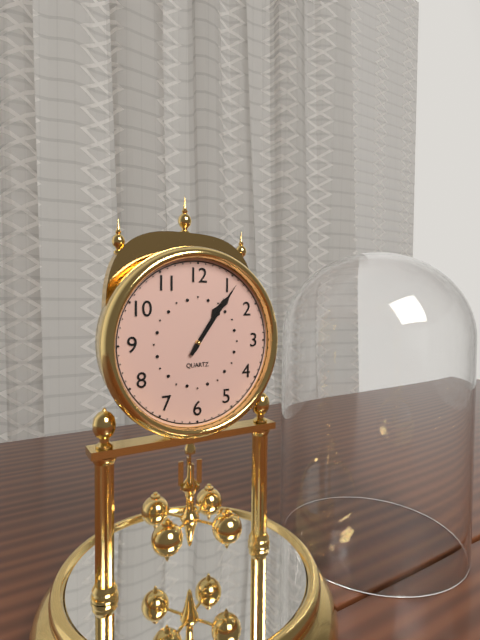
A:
1 h 06 min
